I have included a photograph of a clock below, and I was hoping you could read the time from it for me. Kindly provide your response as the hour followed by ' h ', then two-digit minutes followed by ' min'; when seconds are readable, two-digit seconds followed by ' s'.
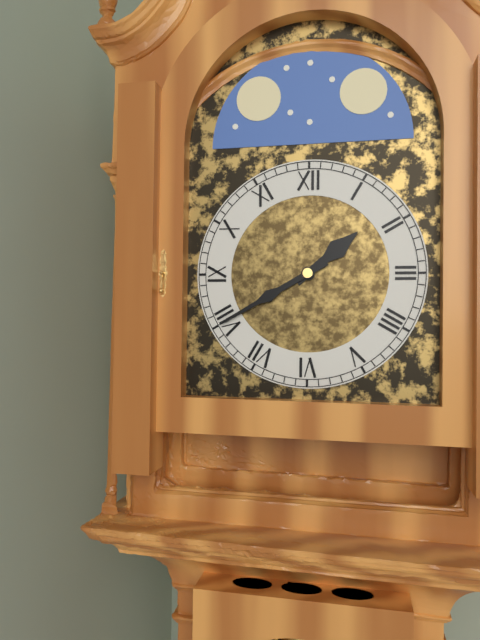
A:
1 h 40 min
